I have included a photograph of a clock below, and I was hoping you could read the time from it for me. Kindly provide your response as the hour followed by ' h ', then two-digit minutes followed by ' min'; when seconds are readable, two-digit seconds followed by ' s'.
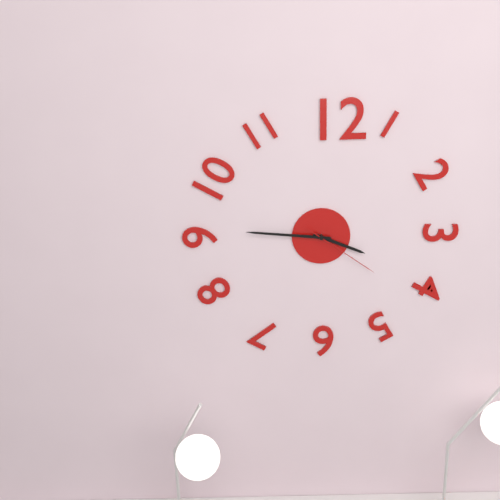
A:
3 h 46 min 21 s
